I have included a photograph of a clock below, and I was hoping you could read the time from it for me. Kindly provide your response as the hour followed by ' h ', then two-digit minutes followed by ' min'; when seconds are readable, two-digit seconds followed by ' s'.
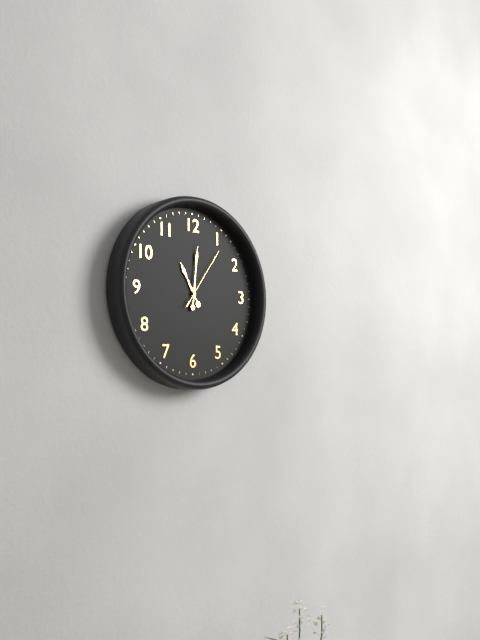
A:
11 h 01 min 06 s
